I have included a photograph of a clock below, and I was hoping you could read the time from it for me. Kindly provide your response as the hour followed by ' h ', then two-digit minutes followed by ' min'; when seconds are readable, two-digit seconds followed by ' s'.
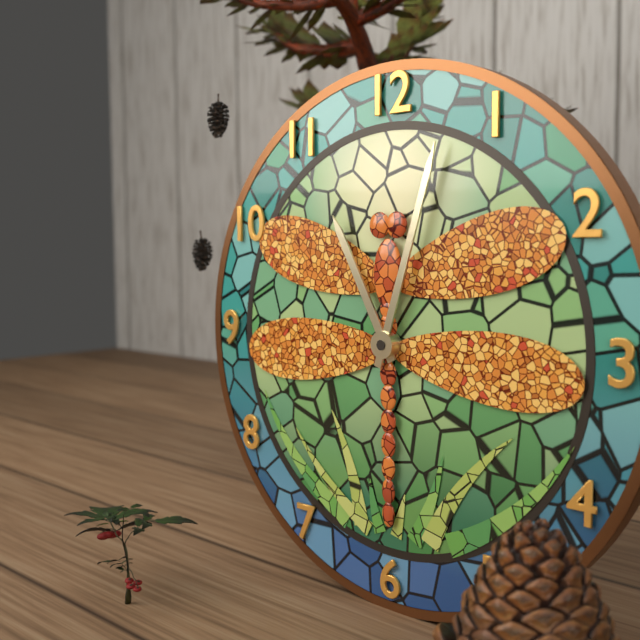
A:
11 h 03 min
